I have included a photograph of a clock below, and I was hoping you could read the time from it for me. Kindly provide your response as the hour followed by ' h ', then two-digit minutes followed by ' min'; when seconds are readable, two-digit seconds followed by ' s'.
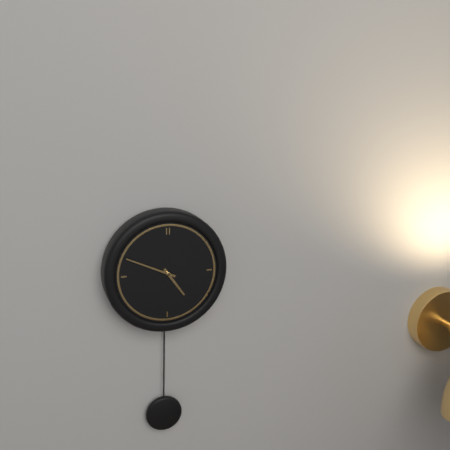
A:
4 h 49 min
